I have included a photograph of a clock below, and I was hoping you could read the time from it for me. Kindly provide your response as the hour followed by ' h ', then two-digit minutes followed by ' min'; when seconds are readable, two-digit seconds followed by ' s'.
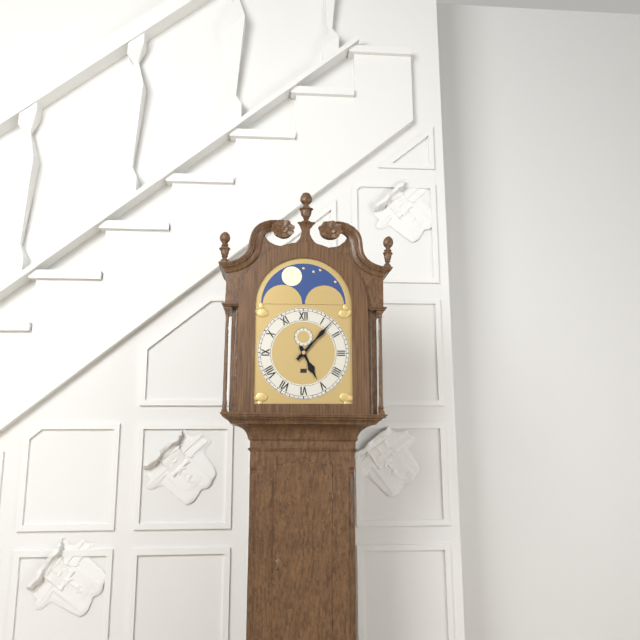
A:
5 h 07 min
